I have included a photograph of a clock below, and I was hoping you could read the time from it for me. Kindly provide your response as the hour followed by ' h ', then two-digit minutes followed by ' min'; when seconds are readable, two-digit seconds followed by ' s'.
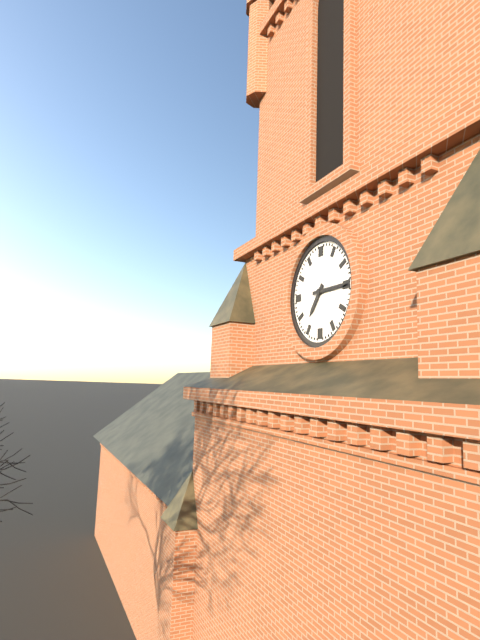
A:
7 h 15 min
